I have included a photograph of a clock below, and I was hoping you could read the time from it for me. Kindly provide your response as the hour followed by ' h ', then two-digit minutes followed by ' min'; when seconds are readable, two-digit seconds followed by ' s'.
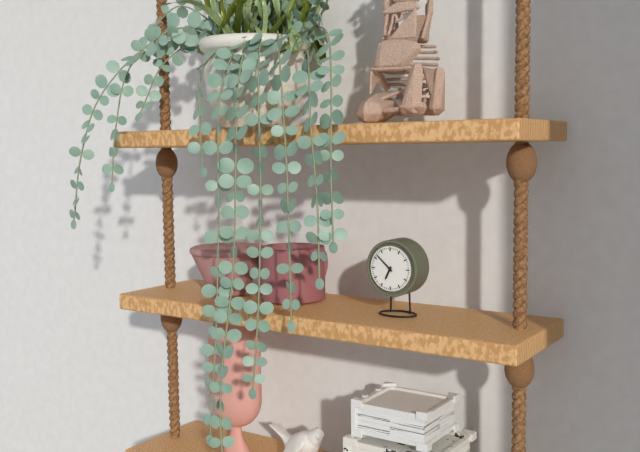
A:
6 h 52 min
